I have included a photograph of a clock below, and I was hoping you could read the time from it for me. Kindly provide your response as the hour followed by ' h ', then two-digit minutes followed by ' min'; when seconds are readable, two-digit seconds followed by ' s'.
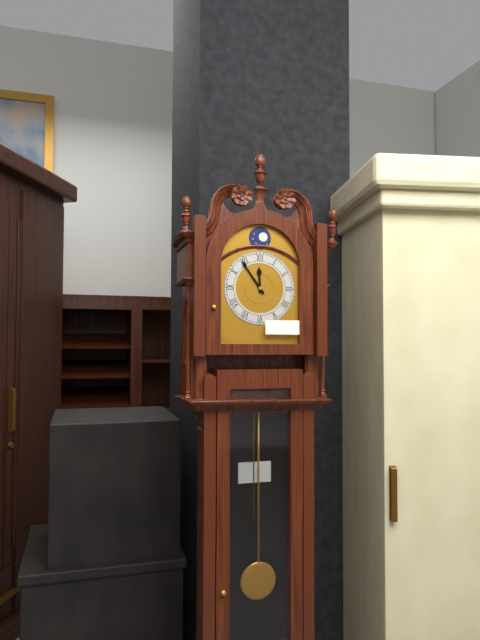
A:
11 h 54 min
